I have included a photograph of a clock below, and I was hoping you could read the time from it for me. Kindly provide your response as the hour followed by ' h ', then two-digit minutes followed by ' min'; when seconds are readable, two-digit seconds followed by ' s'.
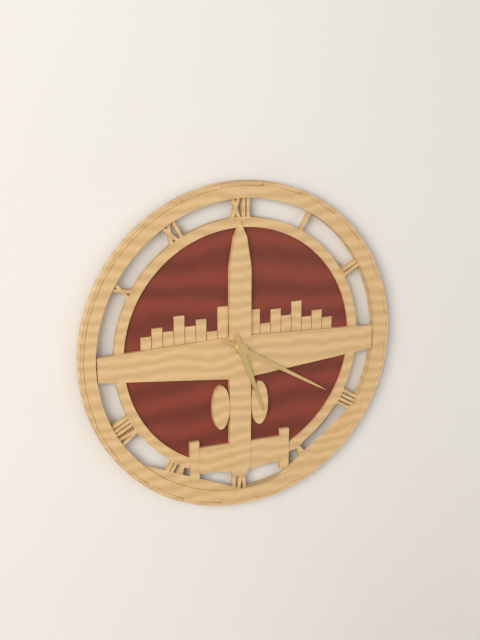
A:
5 h 20 min
